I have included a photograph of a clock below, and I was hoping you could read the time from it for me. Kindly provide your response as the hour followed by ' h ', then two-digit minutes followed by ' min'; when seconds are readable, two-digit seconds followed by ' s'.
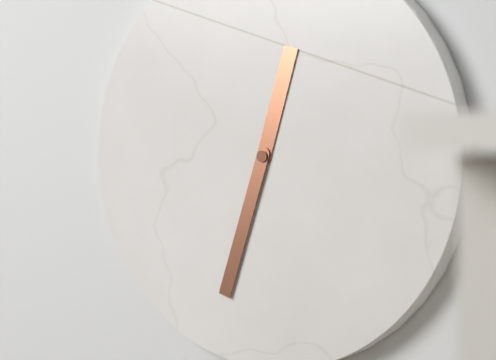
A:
12 h 33 min
